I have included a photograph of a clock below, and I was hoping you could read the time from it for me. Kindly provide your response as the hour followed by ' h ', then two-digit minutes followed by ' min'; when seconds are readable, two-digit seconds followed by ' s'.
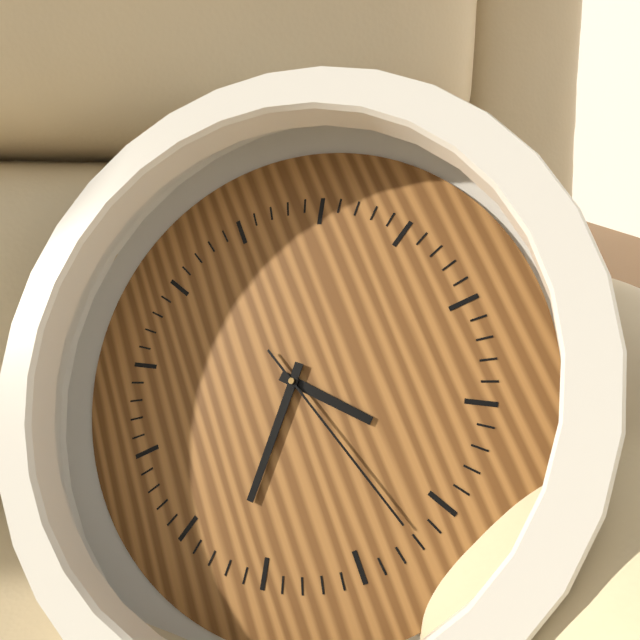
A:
4 h 37 min 27 s
